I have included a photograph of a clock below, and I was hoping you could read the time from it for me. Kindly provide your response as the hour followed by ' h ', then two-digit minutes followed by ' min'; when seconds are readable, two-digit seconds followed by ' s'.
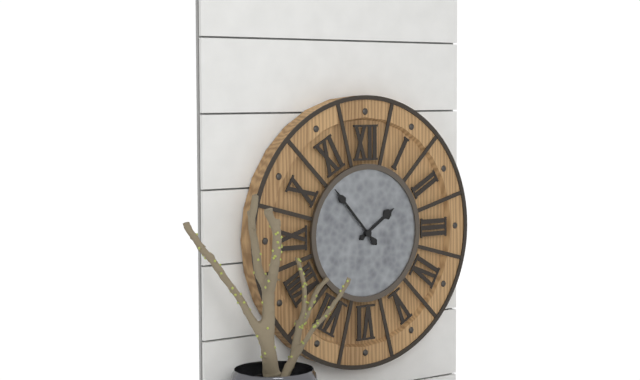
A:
1 h 53 min
